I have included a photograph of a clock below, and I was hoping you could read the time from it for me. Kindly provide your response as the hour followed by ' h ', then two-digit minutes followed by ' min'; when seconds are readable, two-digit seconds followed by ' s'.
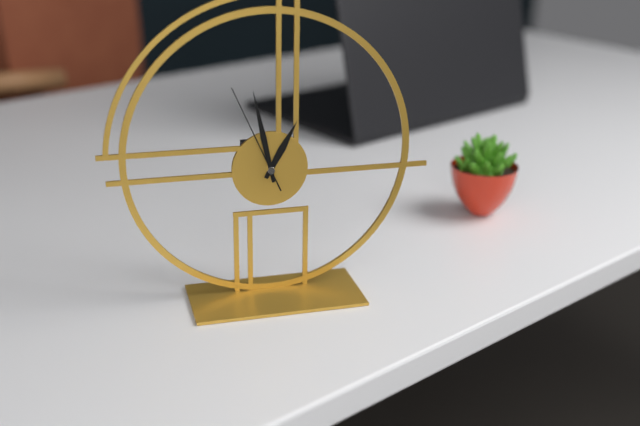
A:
12 h 58 min 56 s
